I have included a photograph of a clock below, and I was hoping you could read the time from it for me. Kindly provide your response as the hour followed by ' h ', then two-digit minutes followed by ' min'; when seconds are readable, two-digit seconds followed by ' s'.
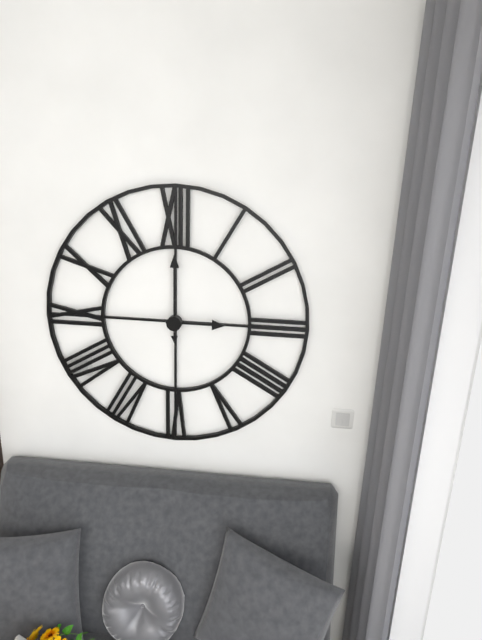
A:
3 h 00 min
